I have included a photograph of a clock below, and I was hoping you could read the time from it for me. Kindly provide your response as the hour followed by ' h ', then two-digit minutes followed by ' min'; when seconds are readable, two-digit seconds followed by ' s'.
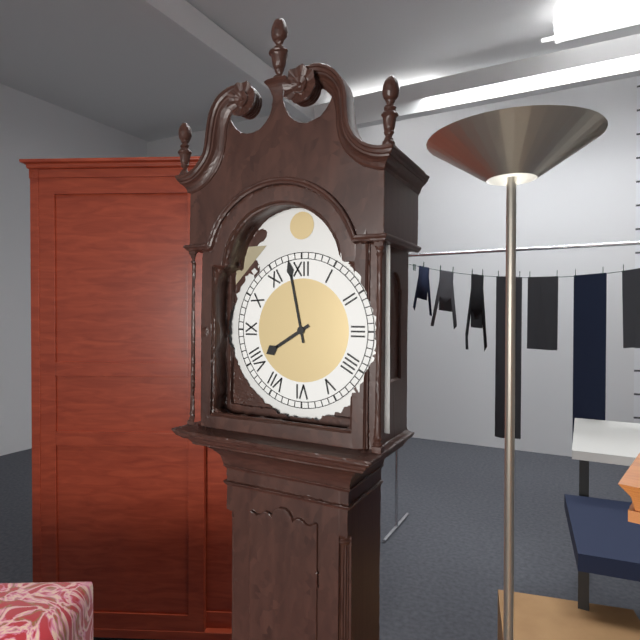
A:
7 h 58 min
